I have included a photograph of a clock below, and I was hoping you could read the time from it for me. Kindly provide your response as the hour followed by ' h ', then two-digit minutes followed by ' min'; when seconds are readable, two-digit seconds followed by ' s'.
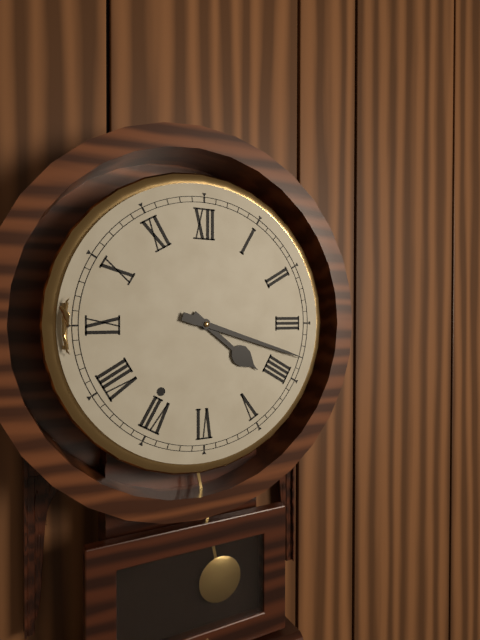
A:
4 h 18 min
